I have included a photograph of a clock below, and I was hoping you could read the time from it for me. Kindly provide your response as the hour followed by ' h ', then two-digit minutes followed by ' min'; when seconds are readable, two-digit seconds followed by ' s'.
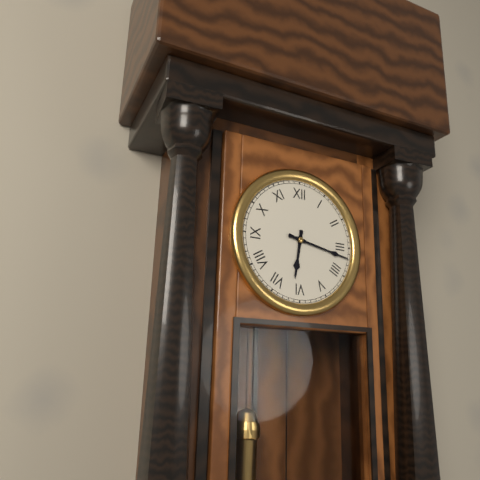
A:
6 h 17 min
